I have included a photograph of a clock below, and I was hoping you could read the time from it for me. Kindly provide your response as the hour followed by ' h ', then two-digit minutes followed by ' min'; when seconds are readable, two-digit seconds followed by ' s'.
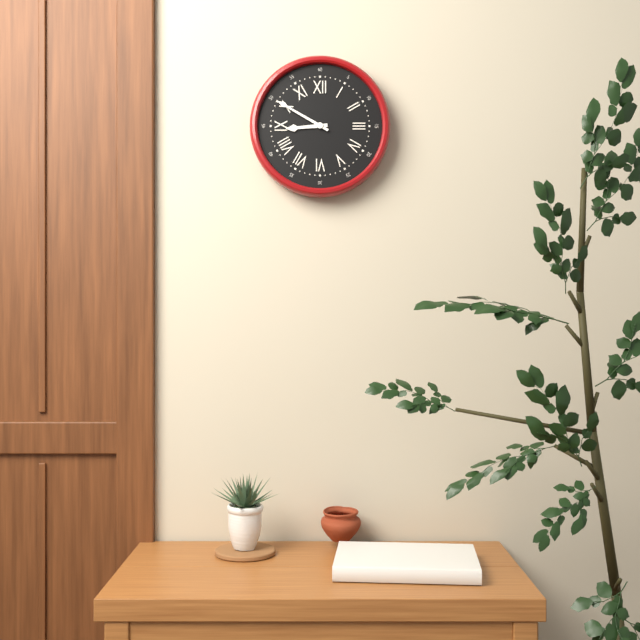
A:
8 h 50 min
